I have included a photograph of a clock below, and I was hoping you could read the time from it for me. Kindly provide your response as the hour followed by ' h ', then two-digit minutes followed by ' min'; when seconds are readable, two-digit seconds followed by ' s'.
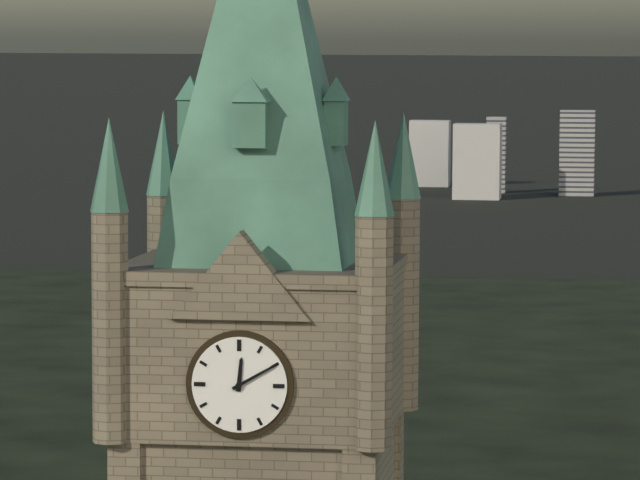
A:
12 h 10 min
